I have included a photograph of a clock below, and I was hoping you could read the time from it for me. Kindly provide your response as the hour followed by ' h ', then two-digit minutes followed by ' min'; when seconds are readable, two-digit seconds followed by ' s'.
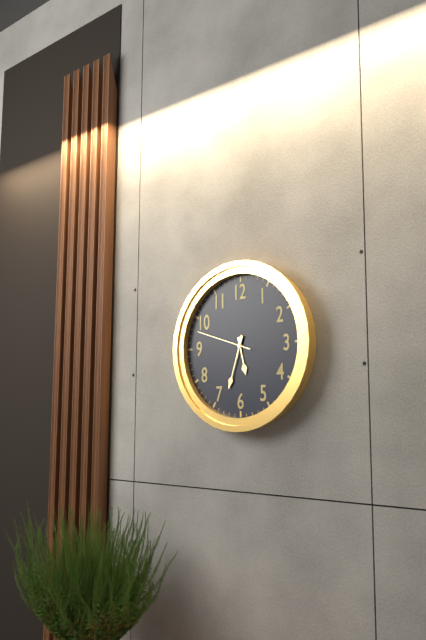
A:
5 h 33 min 48 s
